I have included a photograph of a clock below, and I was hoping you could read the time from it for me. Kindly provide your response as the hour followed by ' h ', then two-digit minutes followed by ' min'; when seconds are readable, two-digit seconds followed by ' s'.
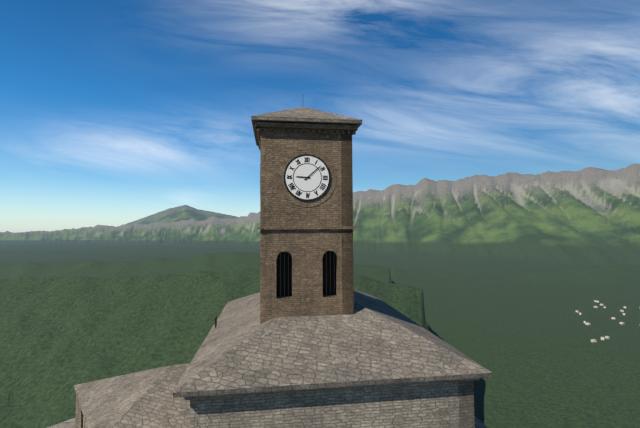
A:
9 h 08 min
